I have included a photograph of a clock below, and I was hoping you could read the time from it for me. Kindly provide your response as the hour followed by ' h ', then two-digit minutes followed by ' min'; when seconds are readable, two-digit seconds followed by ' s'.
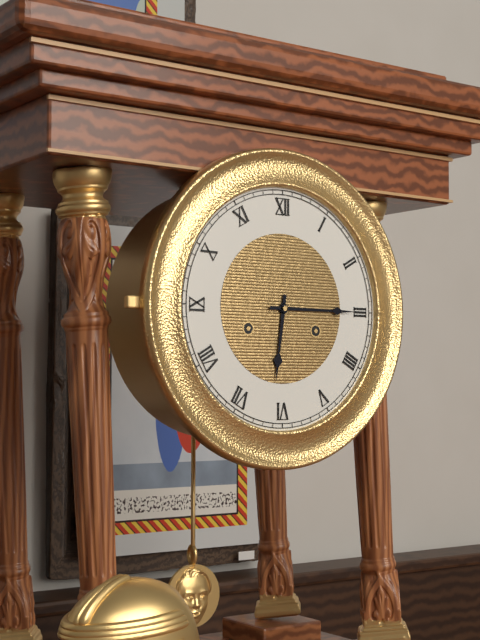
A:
6 h 15 min
